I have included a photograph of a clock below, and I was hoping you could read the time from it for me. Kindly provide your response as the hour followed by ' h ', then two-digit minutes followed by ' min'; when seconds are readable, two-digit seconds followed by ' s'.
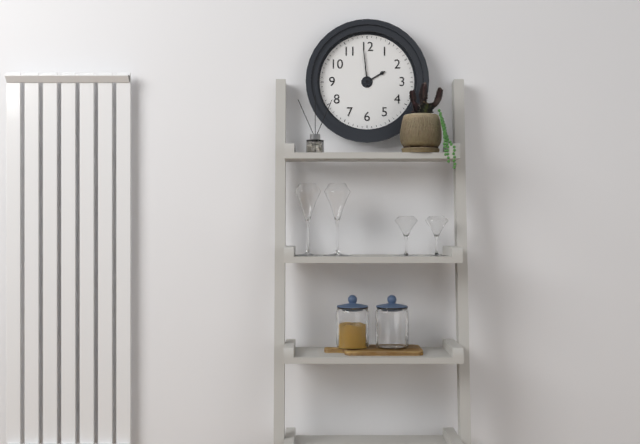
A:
1 h 59 min
